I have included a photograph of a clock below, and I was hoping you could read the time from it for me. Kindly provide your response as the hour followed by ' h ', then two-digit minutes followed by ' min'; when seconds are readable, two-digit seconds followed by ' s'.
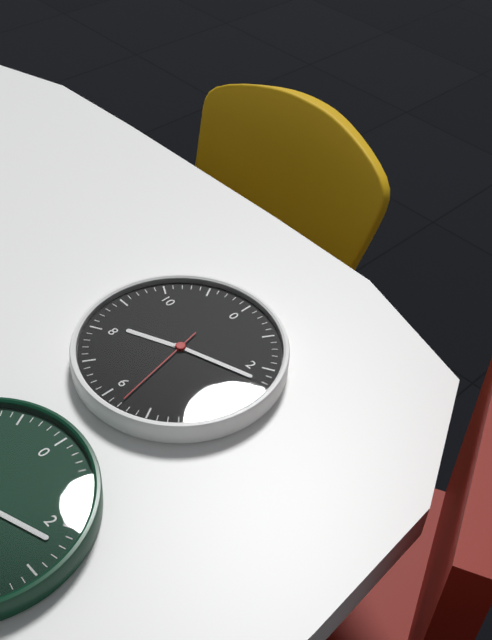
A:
8 h 12 min 28 s
